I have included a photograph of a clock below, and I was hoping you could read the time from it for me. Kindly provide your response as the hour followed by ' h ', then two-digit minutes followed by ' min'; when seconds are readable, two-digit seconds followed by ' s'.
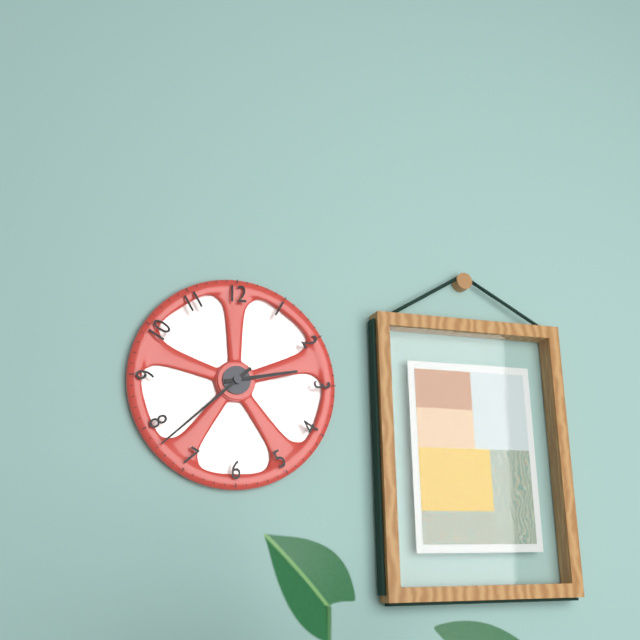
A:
2 h 38 min
